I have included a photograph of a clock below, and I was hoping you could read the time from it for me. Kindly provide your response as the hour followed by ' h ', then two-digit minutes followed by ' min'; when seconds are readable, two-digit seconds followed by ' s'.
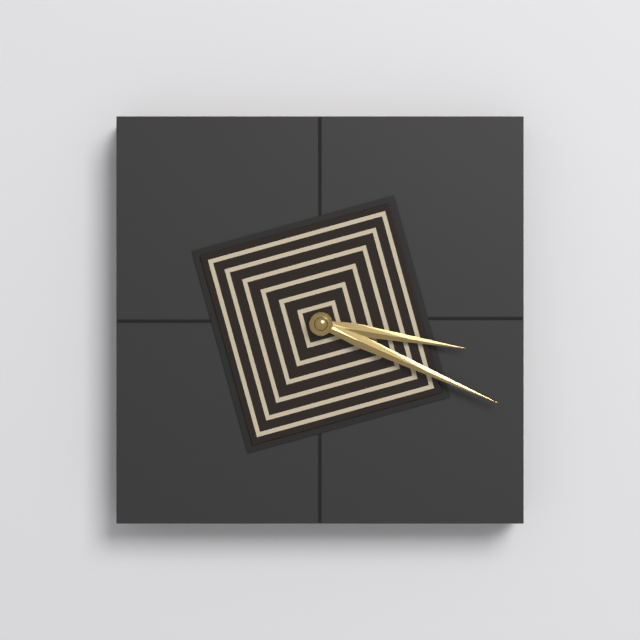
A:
3 h 19 min
